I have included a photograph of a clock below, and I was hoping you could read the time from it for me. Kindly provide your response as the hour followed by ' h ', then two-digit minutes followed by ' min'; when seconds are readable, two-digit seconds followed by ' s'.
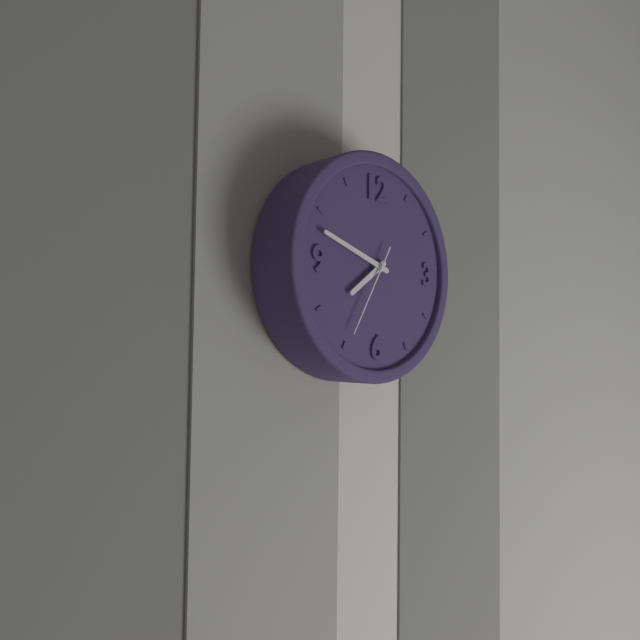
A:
7 h 48 min 35 s
